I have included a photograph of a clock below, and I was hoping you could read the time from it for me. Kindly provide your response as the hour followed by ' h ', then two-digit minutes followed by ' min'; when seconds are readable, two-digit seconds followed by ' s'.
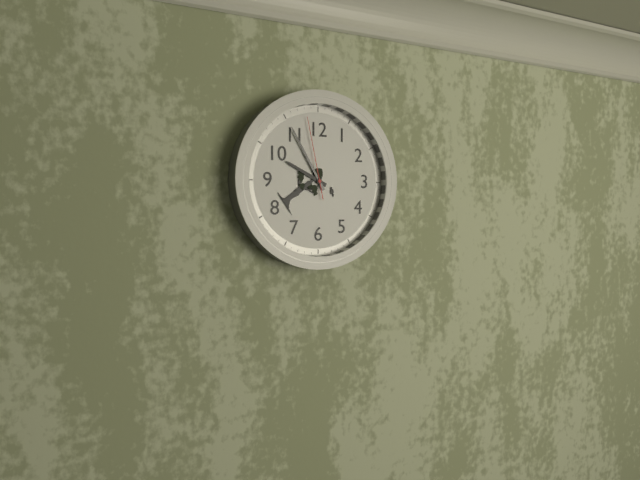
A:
9 h 55 min 58 s
